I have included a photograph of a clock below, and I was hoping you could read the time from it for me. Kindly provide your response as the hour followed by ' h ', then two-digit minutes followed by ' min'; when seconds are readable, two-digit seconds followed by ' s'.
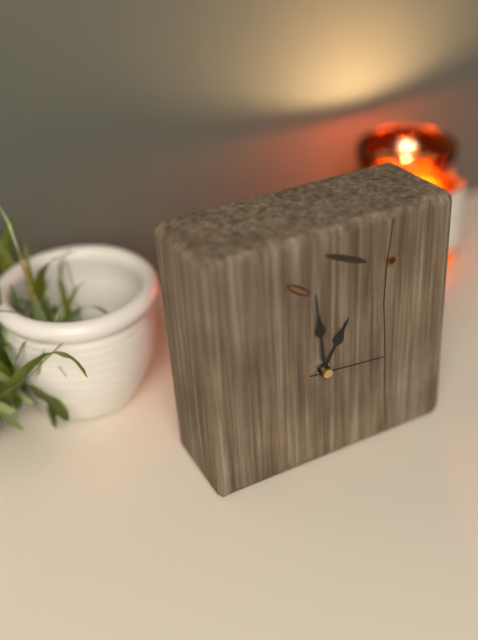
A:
12 h 59 min 16 s
